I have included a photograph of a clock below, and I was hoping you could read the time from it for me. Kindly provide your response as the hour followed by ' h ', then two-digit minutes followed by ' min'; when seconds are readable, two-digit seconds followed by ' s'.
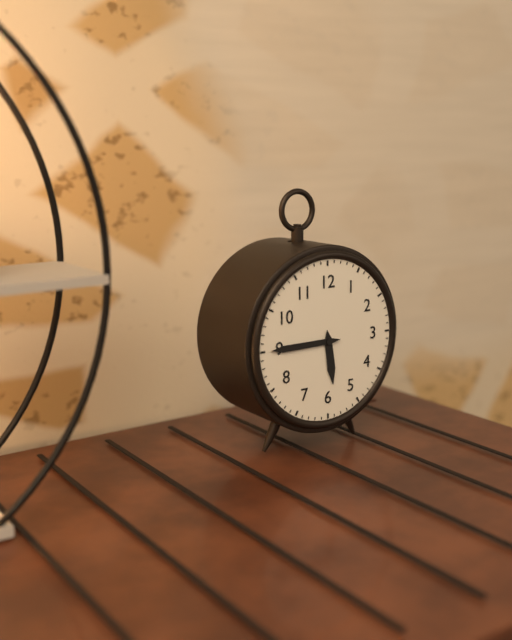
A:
5 h 45 min
